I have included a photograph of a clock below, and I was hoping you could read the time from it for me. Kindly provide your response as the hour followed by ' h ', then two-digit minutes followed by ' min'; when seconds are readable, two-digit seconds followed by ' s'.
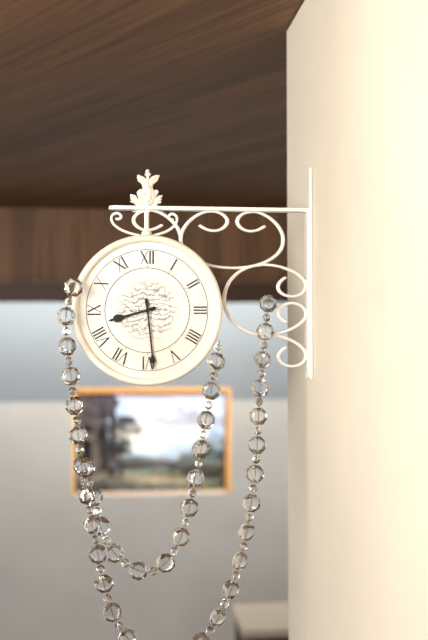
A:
8 h 29 min
